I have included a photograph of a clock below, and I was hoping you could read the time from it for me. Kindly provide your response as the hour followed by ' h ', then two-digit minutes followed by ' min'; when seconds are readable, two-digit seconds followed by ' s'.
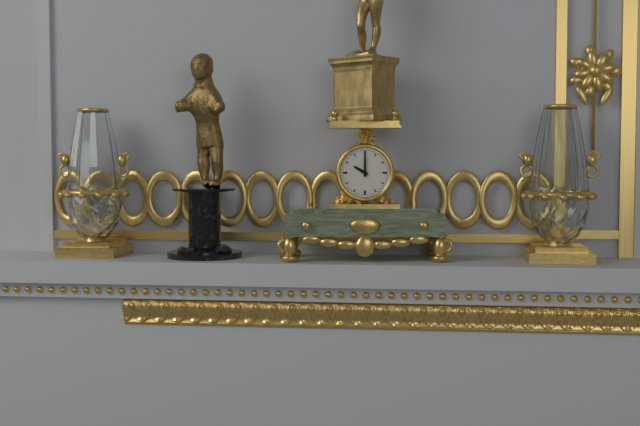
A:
10 h 00 min
